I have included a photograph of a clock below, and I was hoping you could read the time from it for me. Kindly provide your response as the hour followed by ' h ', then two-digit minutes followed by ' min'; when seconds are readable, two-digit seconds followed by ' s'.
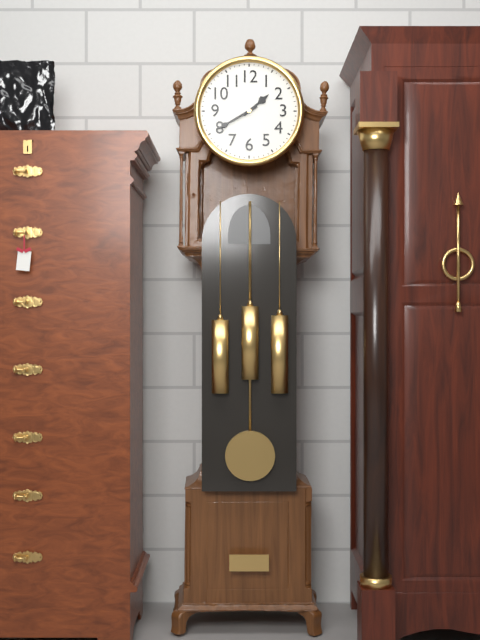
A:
1 h 40 min
